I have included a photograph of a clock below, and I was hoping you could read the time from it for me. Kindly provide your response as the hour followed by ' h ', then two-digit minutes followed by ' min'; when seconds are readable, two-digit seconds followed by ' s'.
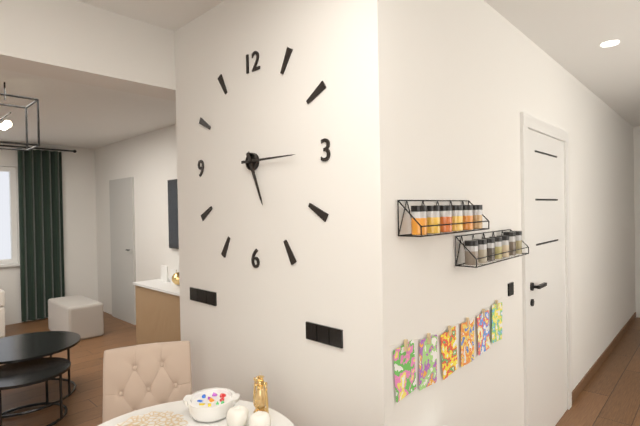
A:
5 h 15 min
